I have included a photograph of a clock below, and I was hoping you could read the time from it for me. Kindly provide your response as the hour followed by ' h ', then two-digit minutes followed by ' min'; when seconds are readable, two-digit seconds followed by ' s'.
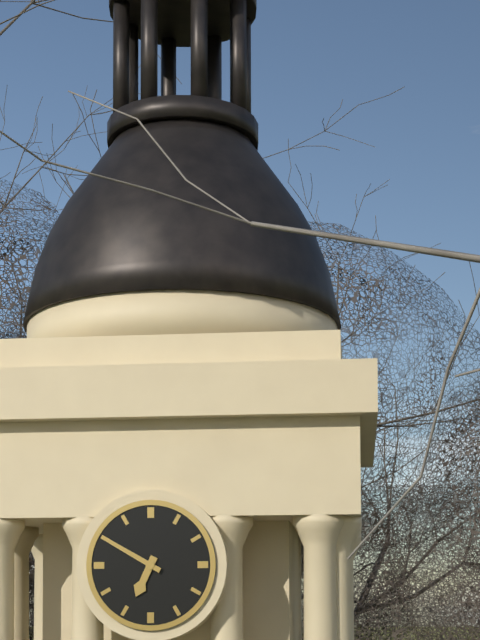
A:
6 h 50 min
